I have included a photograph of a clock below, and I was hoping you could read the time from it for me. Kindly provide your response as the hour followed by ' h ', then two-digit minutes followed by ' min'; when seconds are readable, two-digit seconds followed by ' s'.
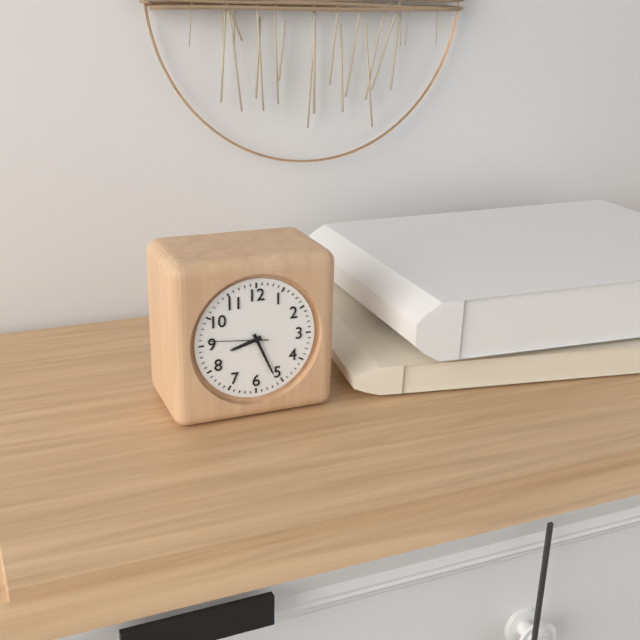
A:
8 h 26 min 46 s
